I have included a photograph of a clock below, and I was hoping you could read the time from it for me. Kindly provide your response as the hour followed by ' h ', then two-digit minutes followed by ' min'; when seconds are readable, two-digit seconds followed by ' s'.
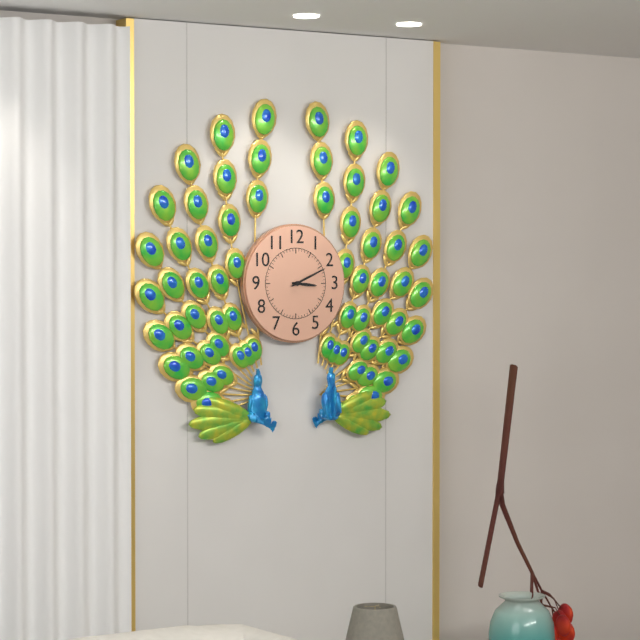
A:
3 h 11 min
